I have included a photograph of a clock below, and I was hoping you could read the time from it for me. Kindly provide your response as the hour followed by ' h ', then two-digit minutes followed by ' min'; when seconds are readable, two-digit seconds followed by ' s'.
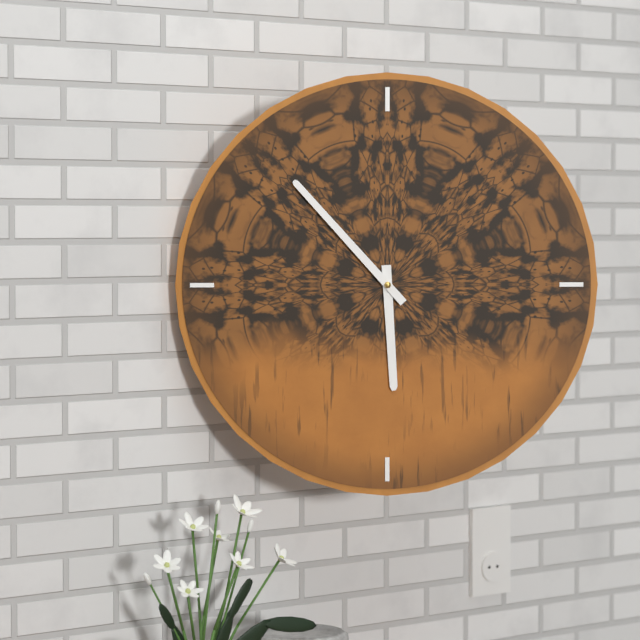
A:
5 h 53 min
